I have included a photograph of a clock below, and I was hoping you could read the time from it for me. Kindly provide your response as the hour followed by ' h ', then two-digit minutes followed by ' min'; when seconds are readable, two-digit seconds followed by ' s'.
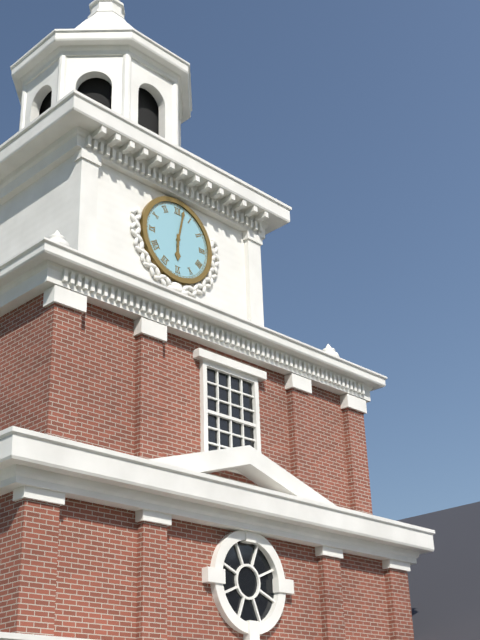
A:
6 h 02 min
